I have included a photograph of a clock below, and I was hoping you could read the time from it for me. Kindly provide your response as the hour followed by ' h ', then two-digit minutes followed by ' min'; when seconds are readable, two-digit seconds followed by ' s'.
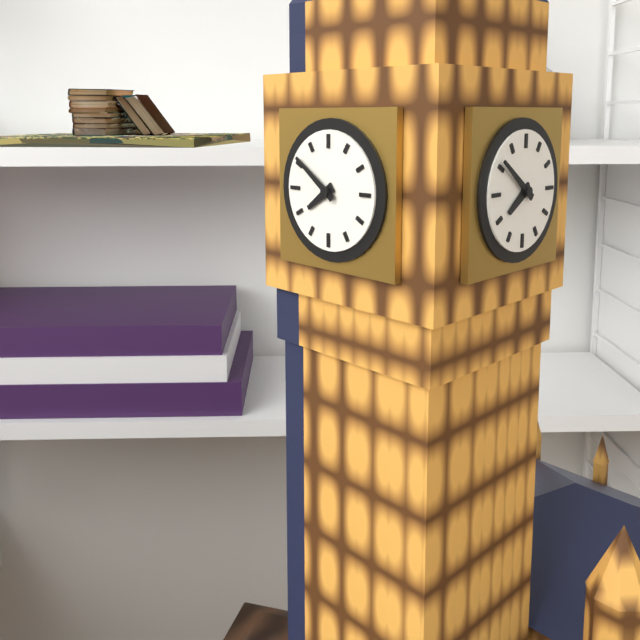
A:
7 h 51 min
